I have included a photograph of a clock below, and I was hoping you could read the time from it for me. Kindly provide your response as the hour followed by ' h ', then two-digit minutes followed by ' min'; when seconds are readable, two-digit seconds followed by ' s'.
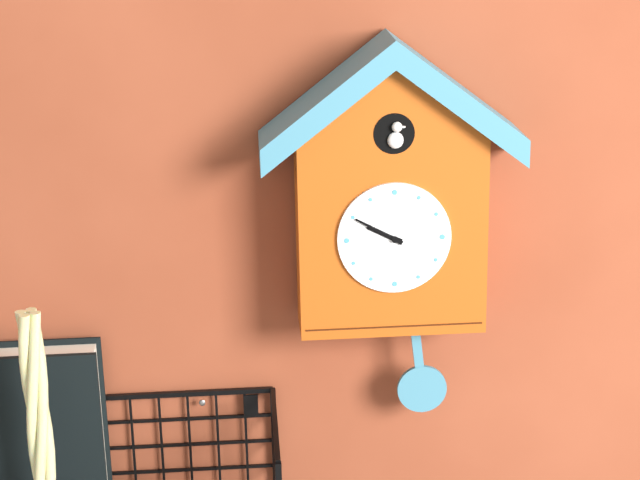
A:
9 h 50 min
